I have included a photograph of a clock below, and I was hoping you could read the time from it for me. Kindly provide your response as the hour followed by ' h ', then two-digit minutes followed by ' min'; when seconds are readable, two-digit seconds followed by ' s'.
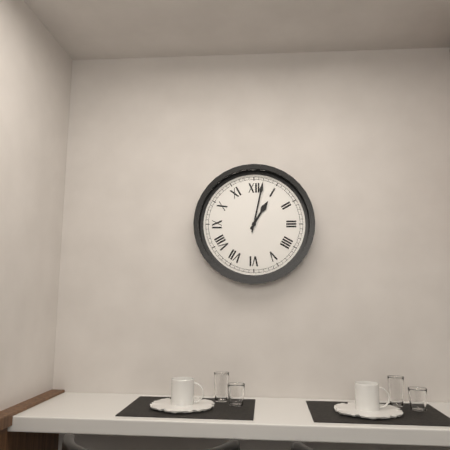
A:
1 h 02 min
